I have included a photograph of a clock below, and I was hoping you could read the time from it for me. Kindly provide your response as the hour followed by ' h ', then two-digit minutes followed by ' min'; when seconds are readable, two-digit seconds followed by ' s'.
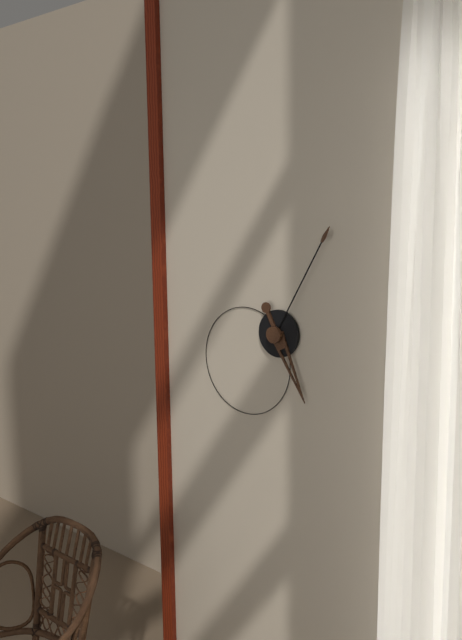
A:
5 h 05 min
